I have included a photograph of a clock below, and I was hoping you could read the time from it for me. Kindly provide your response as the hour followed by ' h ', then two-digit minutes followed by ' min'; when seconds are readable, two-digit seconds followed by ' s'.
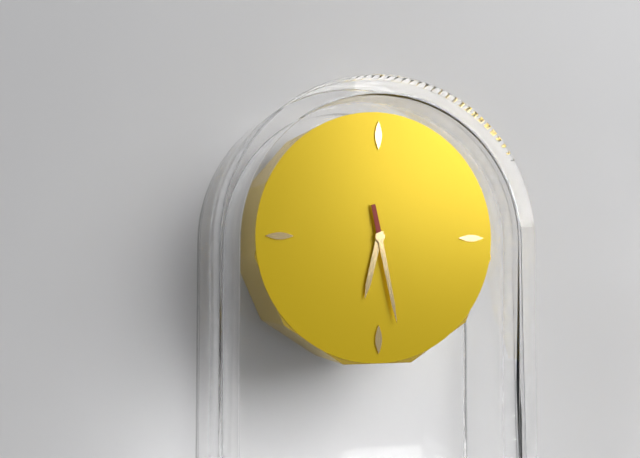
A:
6 h 28 min
